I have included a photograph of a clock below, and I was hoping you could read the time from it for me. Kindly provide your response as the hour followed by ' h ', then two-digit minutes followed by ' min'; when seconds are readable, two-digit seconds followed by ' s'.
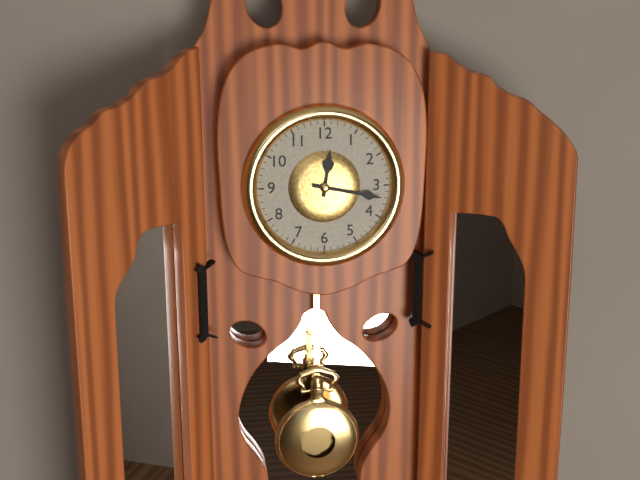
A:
12 h 17 min
